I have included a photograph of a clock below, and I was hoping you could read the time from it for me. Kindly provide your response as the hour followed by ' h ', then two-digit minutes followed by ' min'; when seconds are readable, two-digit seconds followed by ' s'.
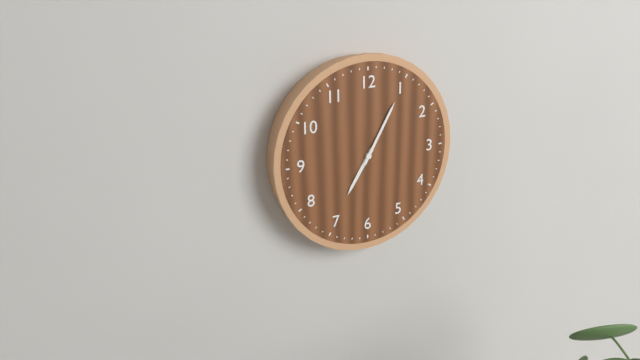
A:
7 h 05 min
